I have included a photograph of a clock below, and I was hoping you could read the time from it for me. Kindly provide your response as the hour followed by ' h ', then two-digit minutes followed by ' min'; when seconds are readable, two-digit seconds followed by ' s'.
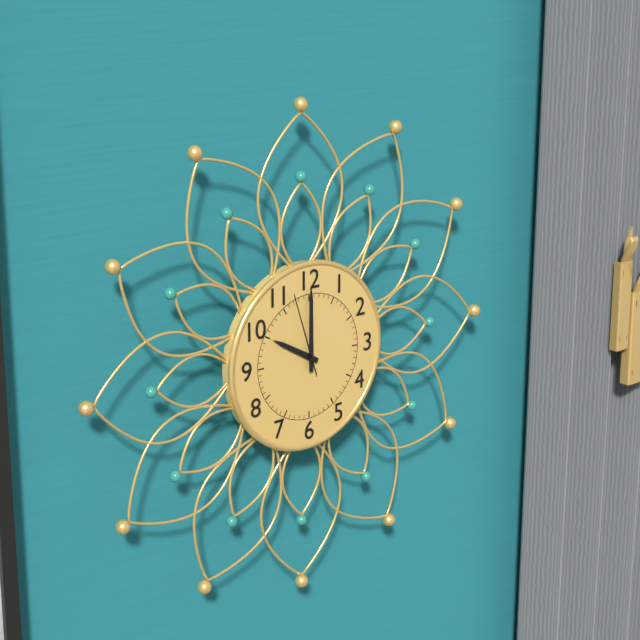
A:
10 h 00 min 57 s
